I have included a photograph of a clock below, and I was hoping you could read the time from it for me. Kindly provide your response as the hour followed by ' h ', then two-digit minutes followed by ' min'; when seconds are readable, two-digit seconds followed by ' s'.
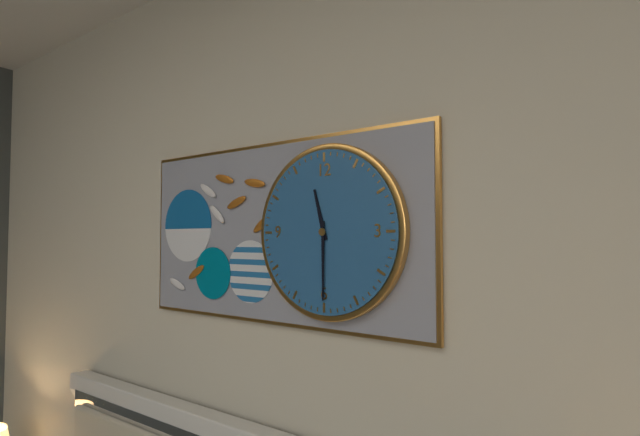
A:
11 h 30 min
